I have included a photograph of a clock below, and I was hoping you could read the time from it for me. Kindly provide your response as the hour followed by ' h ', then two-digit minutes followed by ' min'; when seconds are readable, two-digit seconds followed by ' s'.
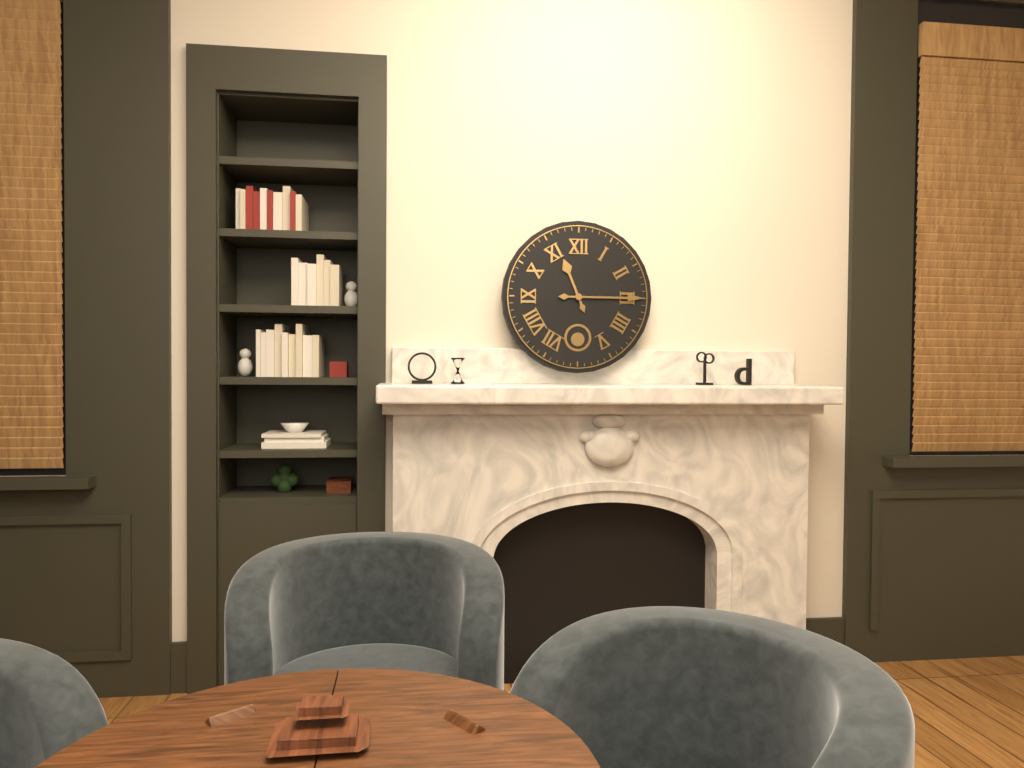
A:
11 h 15 min
